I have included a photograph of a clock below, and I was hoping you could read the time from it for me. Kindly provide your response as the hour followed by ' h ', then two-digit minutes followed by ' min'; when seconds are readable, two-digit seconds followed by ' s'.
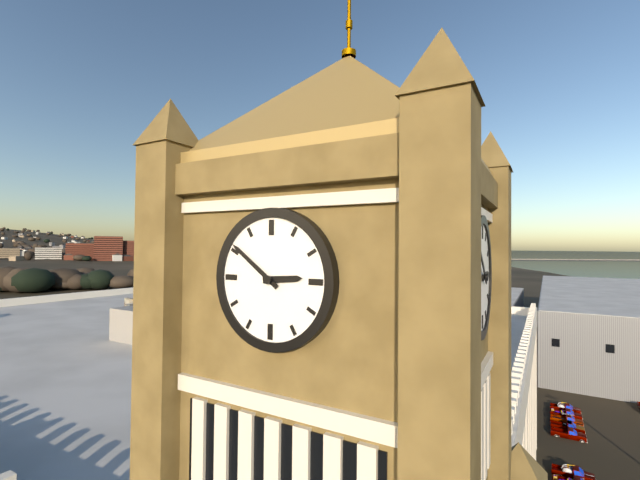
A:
2 h 51 min
